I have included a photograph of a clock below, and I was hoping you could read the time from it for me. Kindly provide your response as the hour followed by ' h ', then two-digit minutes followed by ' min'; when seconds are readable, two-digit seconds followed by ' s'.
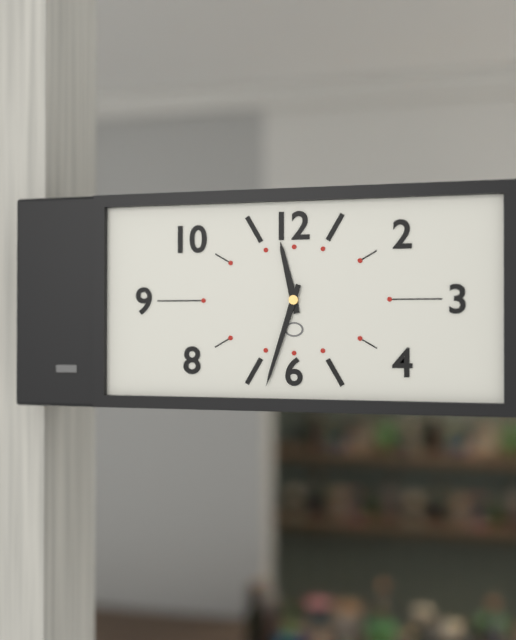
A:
11 h 33 min
